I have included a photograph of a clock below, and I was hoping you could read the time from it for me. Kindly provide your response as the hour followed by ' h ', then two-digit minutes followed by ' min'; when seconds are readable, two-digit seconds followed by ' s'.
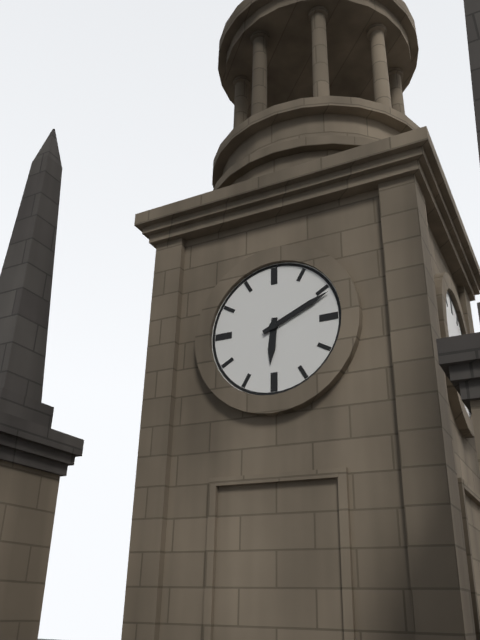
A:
6 h 11 min
